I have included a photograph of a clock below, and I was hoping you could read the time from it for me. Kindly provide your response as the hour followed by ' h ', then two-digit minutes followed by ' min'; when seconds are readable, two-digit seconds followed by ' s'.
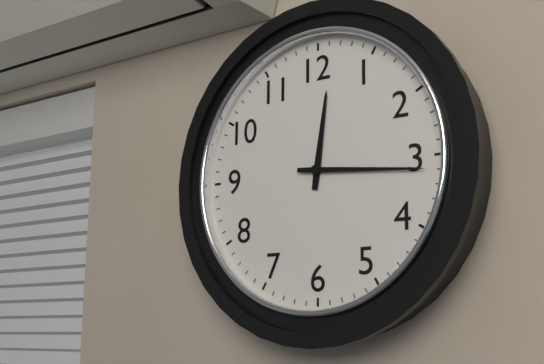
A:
12 h 16 min
